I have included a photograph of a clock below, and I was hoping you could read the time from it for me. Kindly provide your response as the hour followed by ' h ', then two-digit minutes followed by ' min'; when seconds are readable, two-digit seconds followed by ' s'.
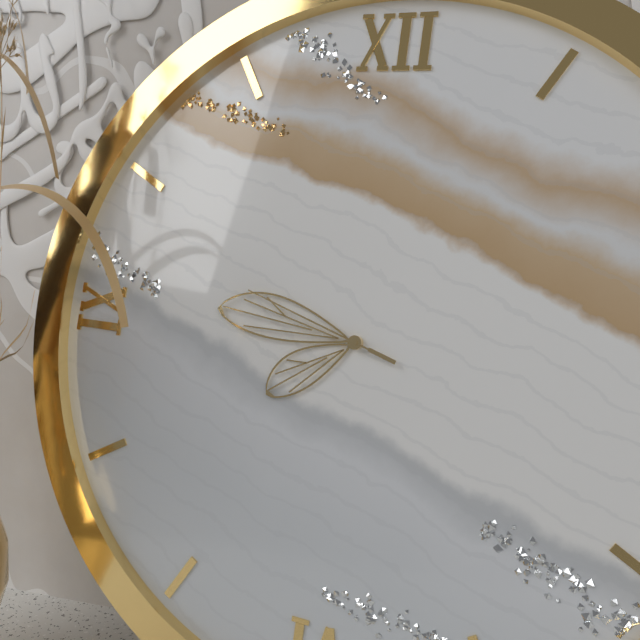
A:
7 h 46 min 48 s
